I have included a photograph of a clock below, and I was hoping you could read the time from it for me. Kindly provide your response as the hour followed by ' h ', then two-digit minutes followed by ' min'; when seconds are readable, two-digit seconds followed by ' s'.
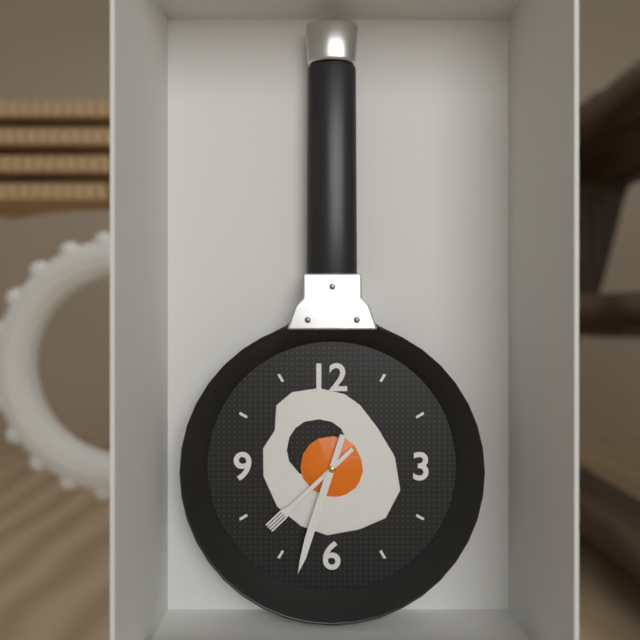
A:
7 h 33 min
